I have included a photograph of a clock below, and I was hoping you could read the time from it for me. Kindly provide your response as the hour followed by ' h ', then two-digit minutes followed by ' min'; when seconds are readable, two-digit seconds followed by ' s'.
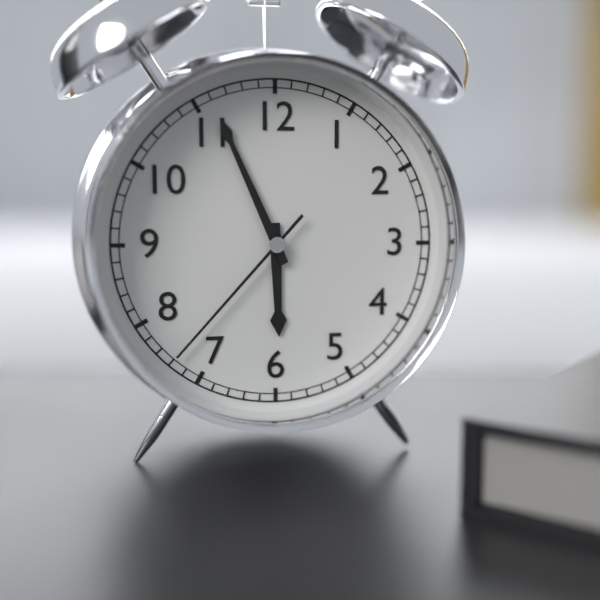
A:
5 h 56 min 37 s
